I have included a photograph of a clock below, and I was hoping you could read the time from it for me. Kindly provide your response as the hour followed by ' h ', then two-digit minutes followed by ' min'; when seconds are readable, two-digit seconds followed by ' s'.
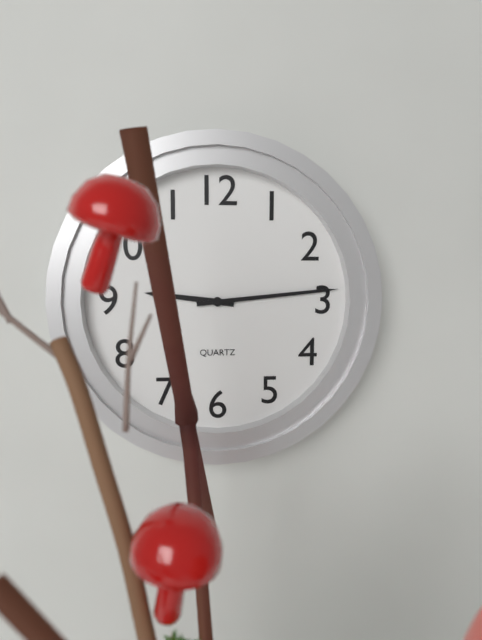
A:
9 h 14 min
